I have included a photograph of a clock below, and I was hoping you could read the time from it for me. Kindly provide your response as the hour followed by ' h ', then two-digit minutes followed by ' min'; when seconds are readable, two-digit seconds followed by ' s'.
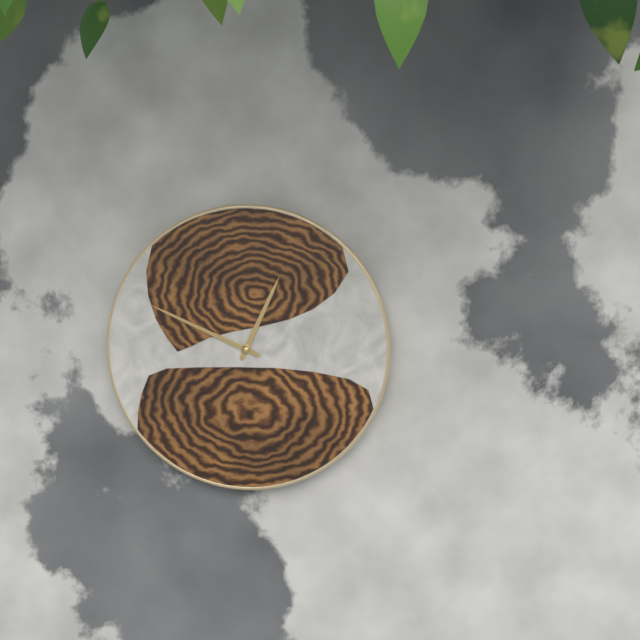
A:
12 h 49 min
